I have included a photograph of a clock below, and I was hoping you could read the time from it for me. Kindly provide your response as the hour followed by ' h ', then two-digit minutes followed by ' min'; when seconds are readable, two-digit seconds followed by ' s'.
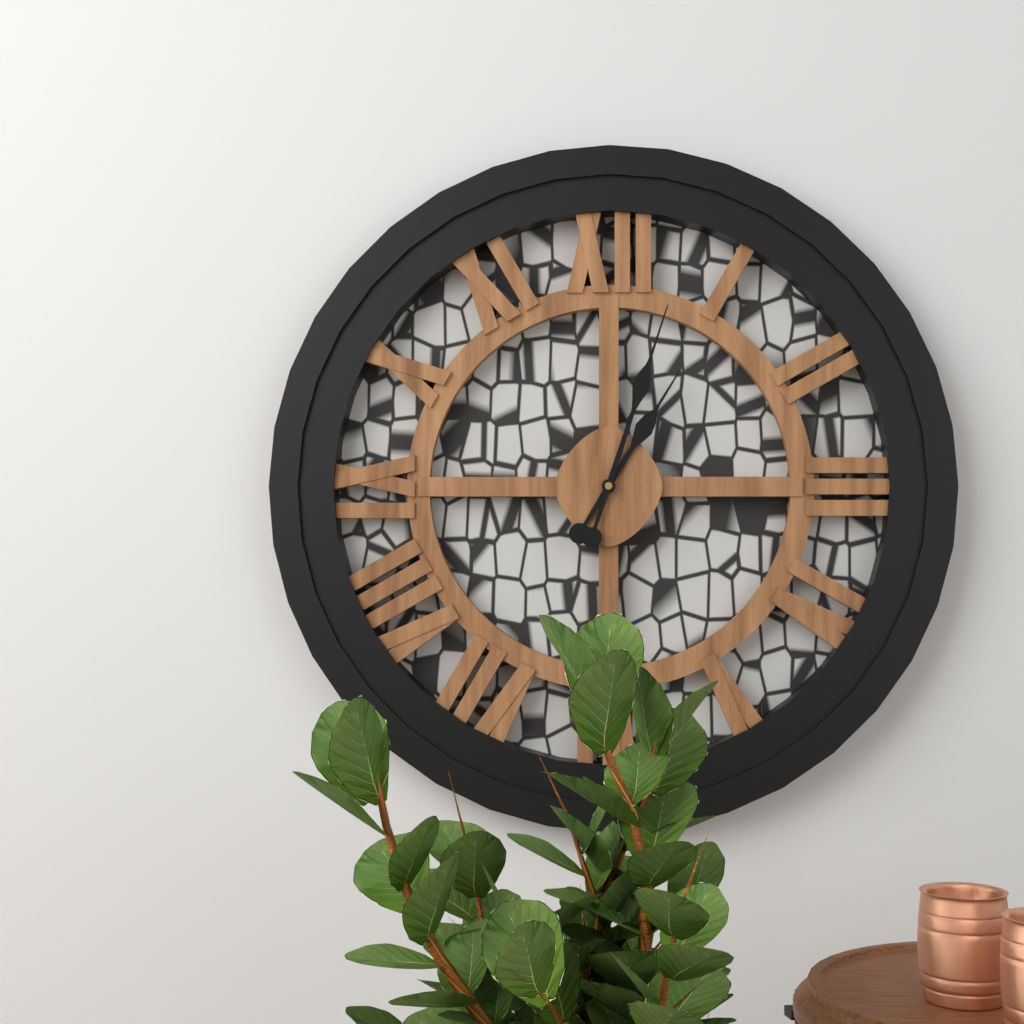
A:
1 h 03 min
